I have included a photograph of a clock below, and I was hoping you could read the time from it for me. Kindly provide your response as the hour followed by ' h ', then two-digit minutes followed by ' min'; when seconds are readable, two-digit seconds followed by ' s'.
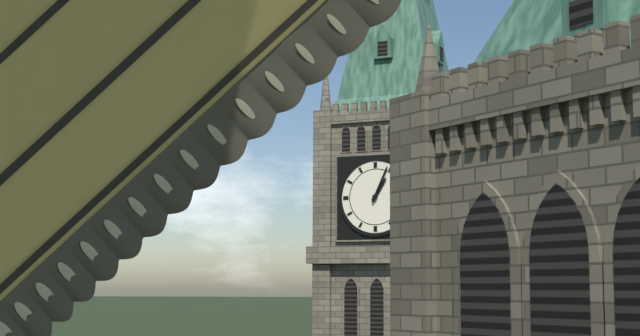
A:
1 h 04 min
